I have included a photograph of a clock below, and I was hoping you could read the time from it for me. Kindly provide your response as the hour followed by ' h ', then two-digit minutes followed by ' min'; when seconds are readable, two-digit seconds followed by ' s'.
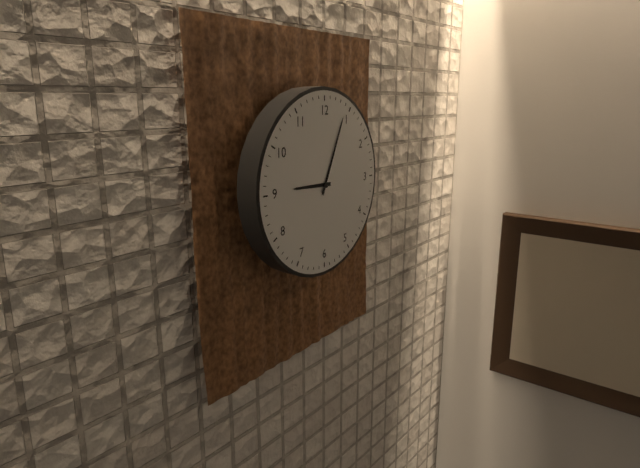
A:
9 h 04 min
